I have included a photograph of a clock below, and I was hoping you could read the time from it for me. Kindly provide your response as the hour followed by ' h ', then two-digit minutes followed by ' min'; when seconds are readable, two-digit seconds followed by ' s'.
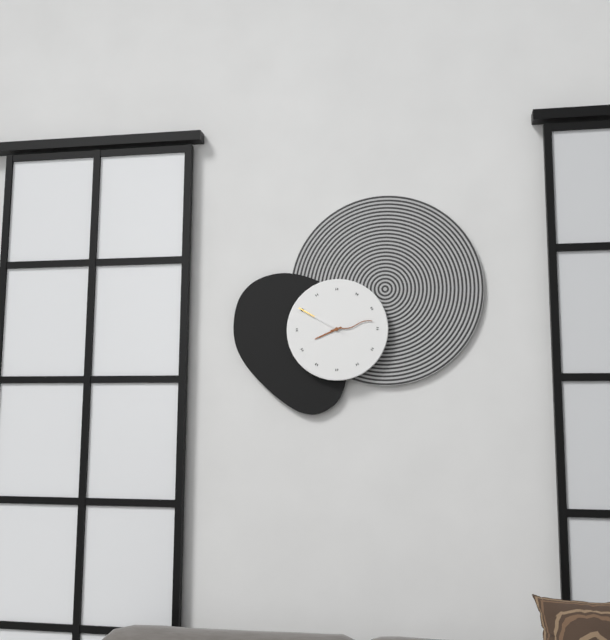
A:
8 h 13 min 50 s
